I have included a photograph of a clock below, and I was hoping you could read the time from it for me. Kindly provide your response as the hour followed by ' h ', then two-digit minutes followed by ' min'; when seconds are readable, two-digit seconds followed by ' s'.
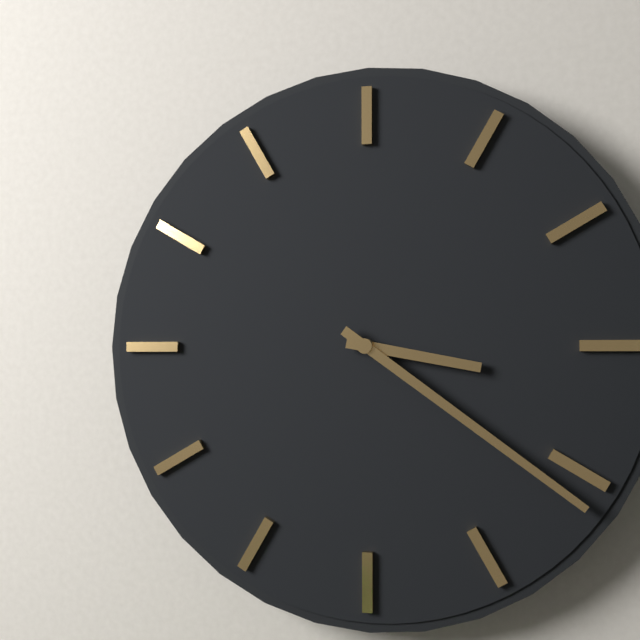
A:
3 h 21 min
